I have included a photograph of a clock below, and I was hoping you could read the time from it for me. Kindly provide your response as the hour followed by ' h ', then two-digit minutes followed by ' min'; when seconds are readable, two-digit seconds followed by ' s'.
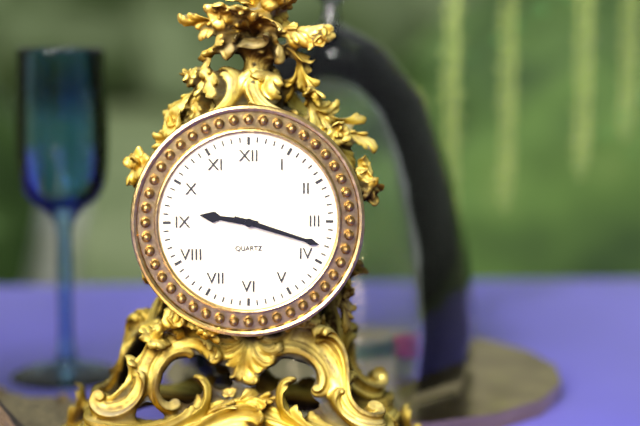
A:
9 h 18 min
